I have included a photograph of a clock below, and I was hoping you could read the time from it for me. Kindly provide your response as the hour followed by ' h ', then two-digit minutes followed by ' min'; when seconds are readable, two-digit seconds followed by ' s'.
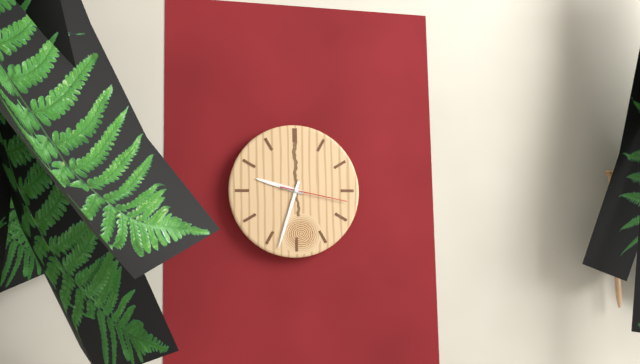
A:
9 h 33 min 17 s
